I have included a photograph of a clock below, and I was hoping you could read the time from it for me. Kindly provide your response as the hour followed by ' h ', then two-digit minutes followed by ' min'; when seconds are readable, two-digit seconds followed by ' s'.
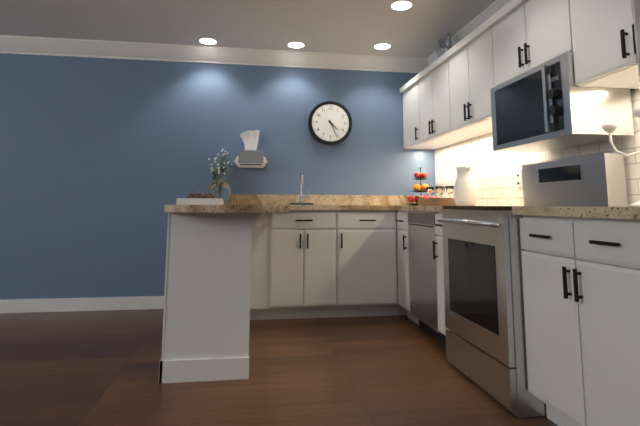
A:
4 h 26 min
